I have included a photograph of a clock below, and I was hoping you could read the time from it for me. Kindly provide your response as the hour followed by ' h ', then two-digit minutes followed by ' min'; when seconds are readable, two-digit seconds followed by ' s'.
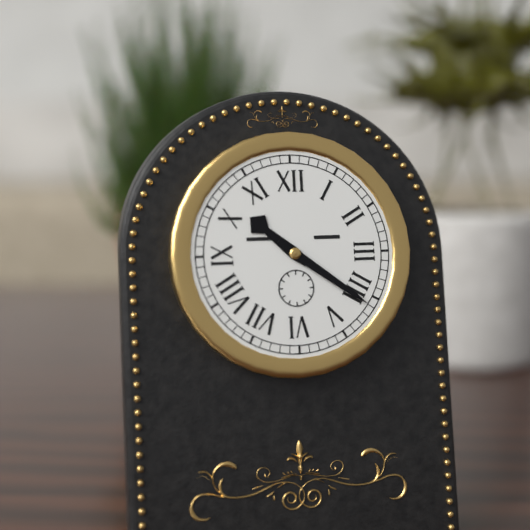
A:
10 h 21 min
